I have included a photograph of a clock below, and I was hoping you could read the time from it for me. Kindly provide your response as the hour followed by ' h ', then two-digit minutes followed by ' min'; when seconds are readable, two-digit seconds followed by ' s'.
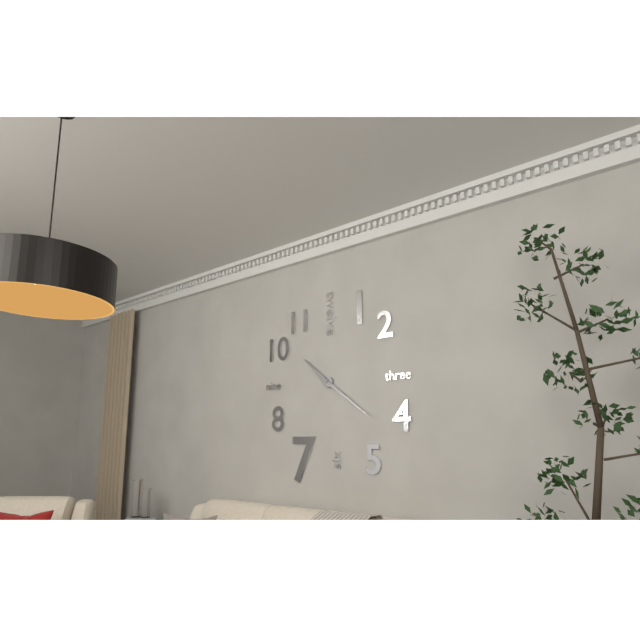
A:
10 h 21 min
